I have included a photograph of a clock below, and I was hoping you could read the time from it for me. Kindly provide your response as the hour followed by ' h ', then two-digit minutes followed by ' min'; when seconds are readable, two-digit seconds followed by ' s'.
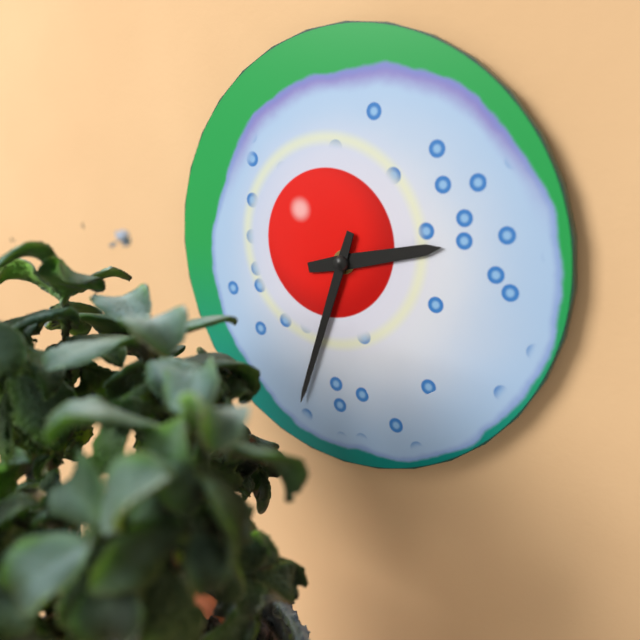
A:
2 h 33 min
